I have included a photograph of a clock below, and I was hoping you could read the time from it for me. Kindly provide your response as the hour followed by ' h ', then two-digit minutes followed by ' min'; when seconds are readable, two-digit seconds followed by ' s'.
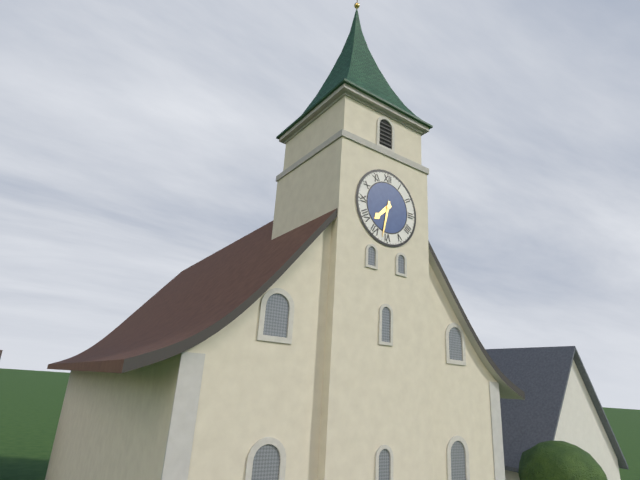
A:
7 h 32 min
